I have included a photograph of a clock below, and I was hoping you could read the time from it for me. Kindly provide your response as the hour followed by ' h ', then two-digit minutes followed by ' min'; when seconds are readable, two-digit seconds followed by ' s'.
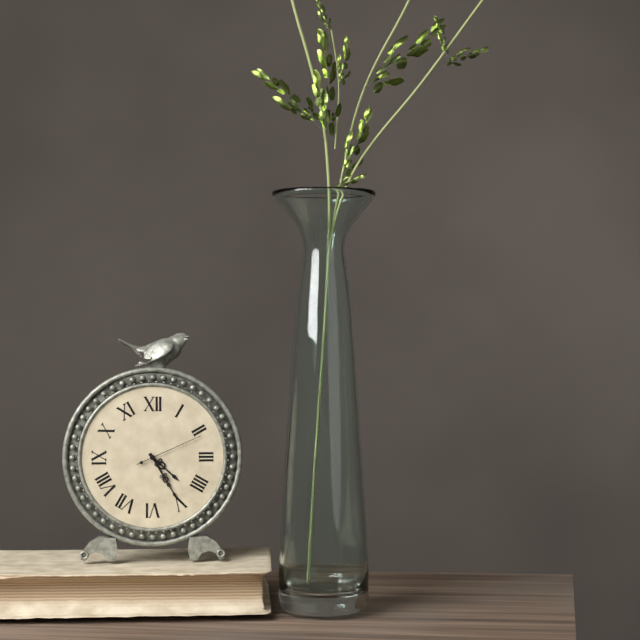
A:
4 h 25 min 11 s
